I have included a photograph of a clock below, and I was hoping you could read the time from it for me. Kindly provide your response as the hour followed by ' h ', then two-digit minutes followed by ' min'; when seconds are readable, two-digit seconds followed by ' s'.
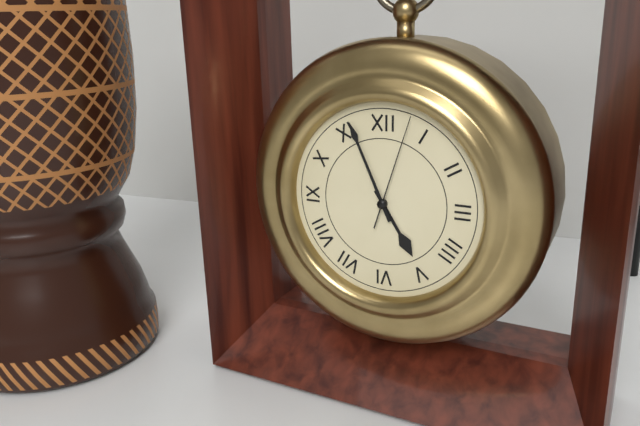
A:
4 h 56 min 03 s
